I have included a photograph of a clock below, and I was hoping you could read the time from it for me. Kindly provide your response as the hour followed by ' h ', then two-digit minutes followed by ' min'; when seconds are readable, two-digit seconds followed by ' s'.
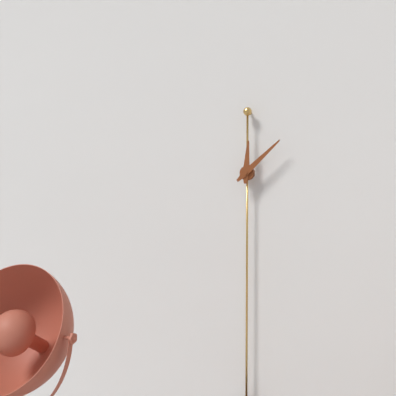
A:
12 h 08 min
